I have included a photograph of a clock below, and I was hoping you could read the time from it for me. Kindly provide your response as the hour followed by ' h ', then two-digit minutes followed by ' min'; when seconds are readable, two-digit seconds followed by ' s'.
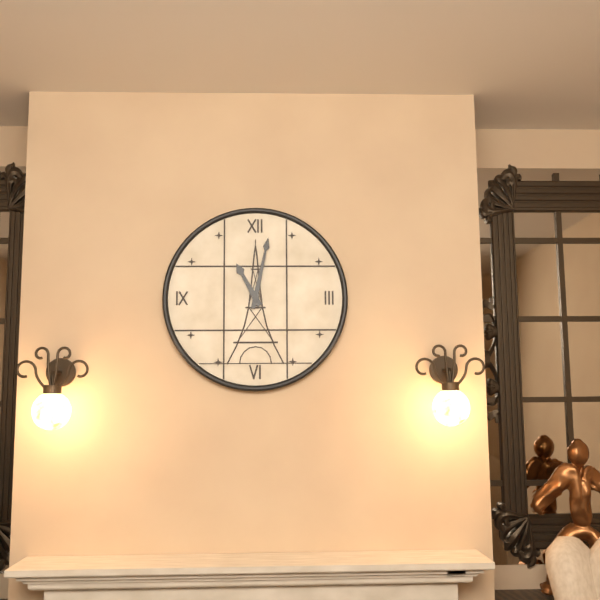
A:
11 h 02 min
